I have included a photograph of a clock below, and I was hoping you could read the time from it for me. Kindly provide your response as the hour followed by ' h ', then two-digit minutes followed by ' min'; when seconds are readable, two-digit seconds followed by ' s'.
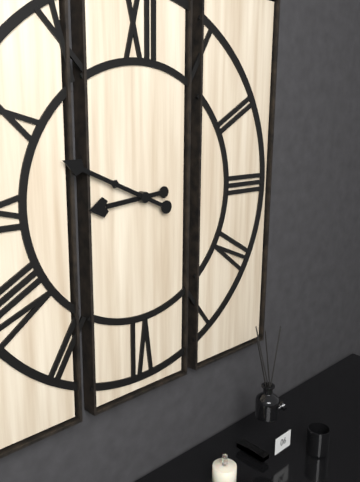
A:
8 h 49 min
